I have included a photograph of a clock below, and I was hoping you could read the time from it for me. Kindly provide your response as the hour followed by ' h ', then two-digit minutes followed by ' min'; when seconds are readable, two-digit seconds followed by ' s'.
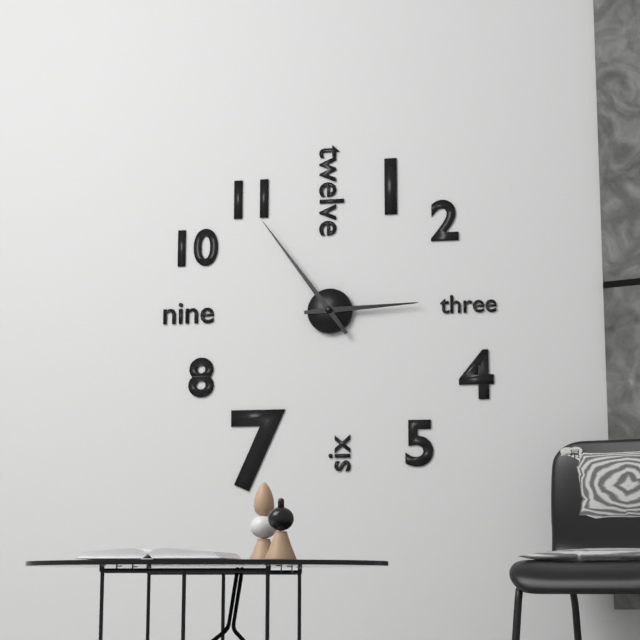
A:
2 h 54 min
